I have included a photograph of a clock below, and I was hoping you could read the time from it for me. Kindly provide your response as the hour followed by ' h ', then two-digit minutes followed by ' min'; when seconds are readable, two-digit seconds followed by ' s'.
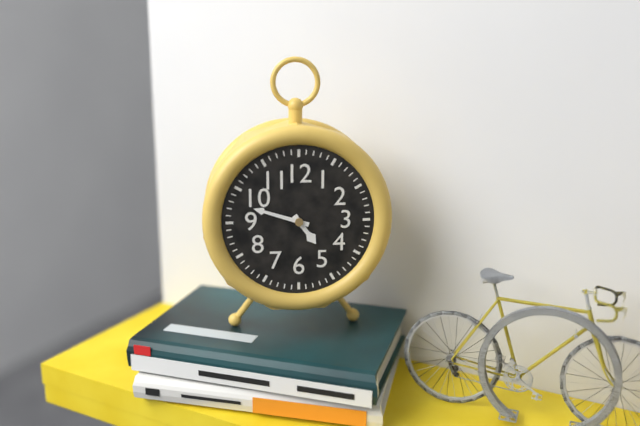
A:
4 h 48 min
